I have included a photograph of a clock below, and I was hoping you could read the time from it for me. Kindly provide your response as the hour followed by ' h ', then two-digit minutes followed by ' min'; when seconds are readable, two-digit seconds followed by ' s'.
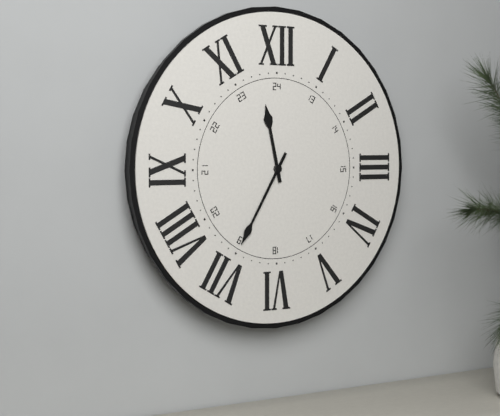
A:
11 h 35 min
